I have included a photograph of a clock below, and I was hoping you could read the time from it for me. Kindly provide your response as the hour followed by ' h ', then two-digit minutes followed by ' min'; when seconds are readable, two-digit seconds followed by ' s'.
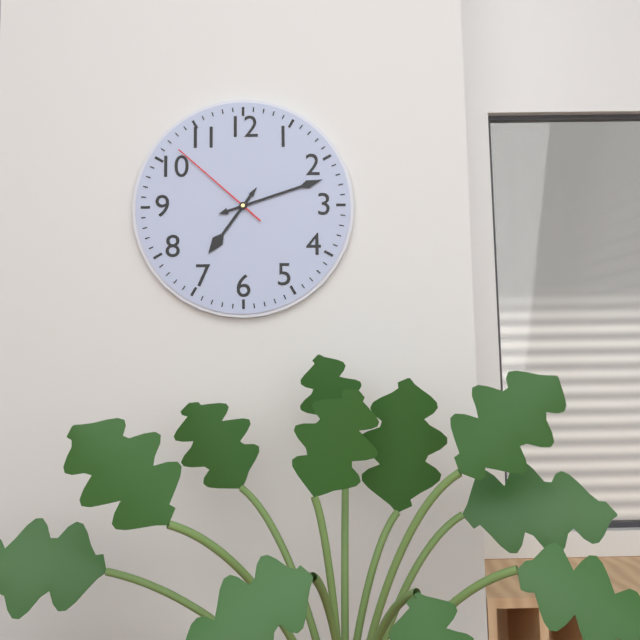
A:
7 h 12 min 52 s
